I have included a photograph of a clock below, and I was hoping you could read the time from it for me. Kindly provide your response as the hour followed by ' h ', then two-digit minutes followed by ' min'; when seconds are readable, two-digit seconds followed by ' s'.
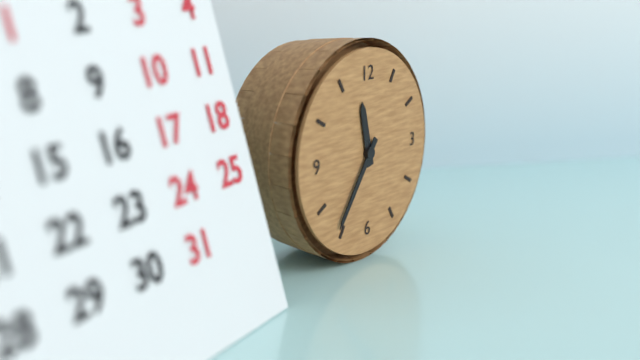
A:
11 h 36 min
